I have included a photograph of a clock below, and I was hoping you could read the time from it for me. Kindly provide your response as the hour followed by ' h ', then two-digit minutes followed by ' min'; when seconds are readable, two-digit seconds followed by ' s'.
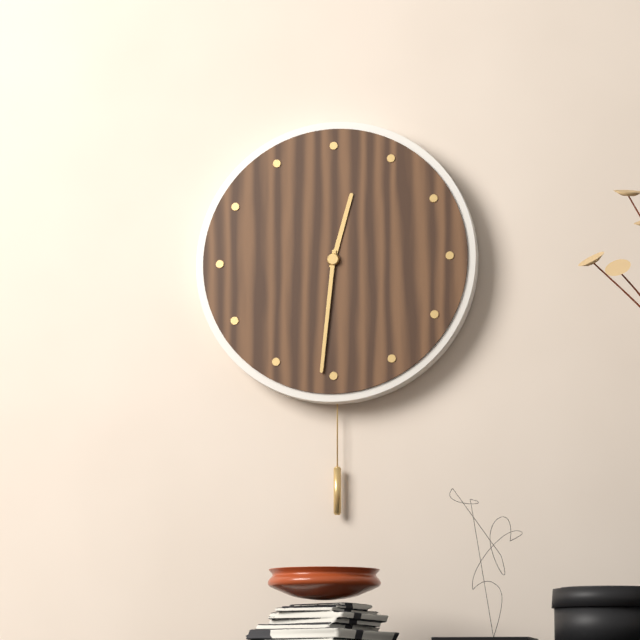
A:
12 h 31 min
